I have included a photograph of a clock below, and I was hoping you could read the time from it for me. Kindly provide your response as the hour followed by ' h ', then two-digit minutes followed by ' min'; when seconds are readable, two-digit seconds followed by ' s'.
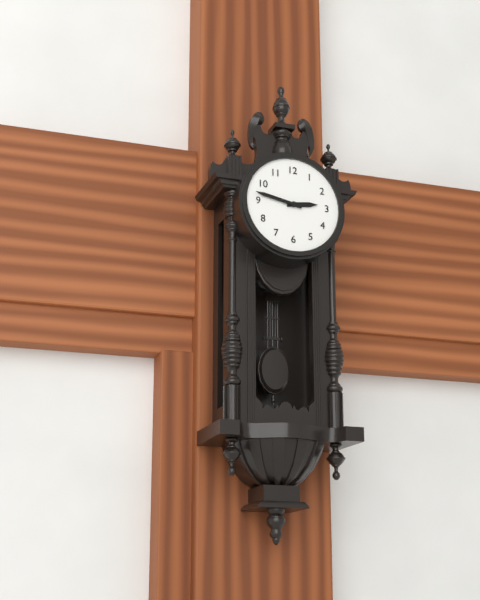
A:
2 h 47 min
